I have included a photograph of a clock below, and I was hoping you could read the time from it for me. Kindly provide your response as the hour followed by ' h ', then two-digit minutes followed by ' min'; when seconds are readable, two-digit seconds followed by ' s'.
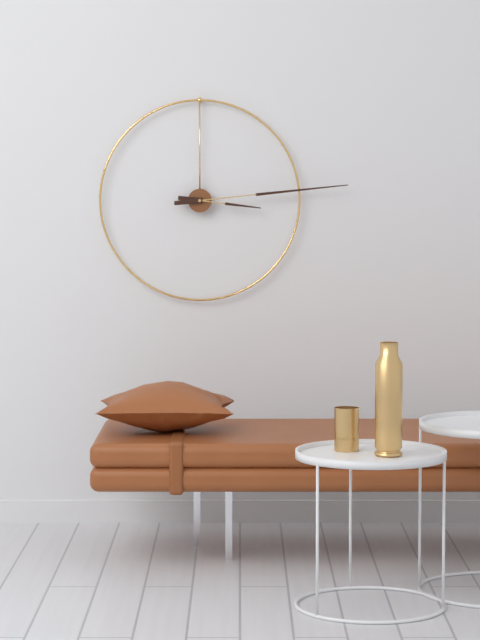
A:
3 h 14 min
